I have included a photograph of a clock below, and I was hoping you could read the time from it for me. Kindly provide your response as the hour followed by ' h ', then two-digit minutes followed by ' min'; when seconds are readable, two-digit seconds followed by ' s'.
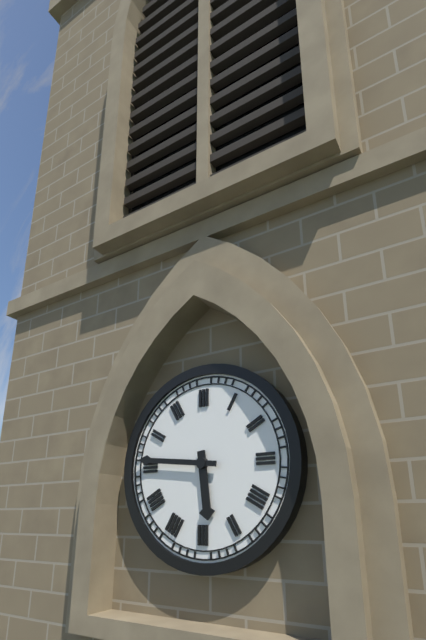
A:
5 h 46 min
